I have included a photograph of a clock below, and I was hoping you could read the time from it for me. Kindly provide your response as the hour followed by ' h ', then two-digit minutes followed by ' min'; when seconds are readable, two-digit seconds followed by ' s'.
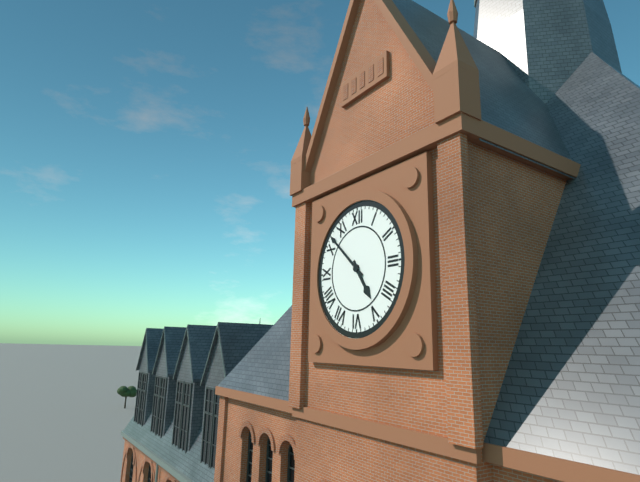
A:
4 h 52 min
